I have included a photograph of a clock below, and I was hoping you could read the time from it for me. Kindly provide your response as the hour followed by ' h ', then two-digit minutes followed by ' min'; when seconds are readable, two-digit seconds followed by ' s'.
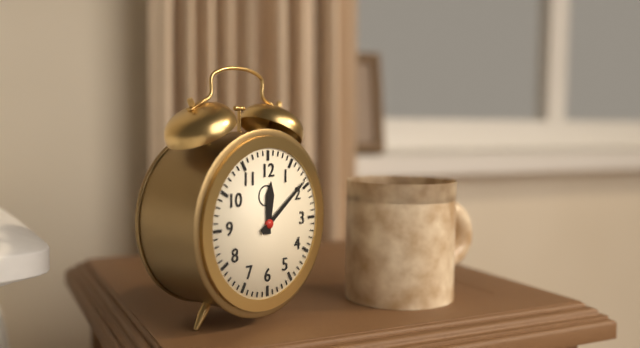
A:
12 h 09 min
